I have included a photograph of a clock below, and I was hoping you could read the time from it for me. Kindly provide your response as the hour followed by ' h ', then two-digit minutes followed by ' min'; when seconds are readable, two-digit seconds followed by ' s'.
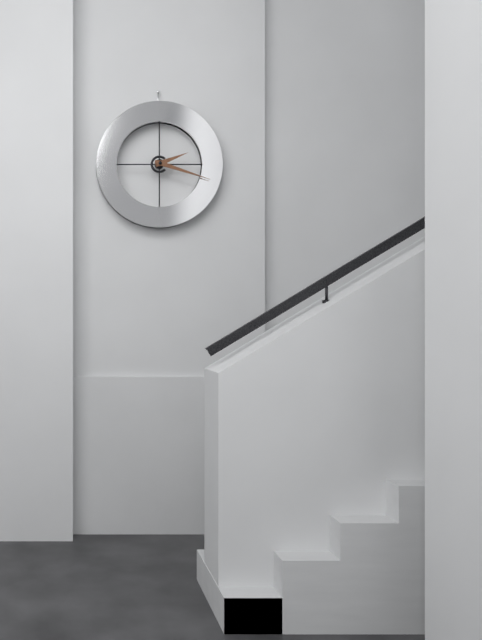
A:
2 h 18 min
